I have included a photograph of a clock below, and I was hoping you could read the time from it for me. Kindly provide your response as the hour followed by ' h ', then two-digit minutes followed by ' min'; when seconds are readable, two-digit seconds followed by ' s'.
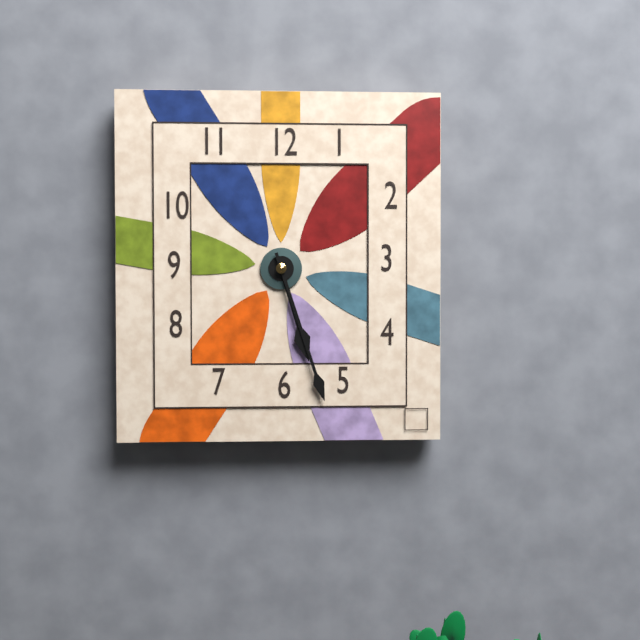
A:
5 h 27 min
